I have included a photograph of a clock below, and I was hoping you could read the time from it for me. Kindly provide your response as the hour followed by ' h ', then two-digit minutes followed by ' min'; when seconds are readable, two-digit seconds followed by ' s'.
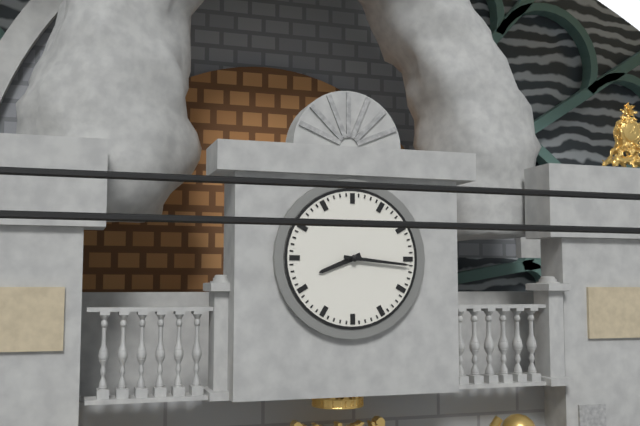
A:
8 h 16 min
